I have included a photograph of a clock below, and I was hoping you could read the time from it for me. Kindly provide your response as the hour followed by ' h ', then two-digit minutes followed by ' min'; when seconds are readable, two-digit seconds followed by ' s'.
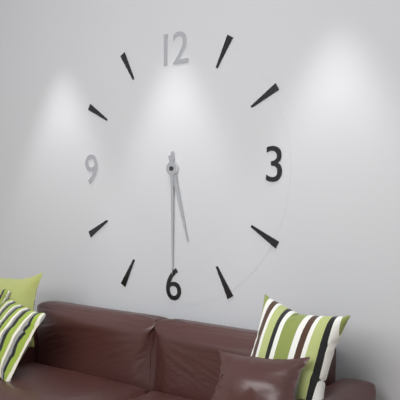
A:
5 h 30 min
